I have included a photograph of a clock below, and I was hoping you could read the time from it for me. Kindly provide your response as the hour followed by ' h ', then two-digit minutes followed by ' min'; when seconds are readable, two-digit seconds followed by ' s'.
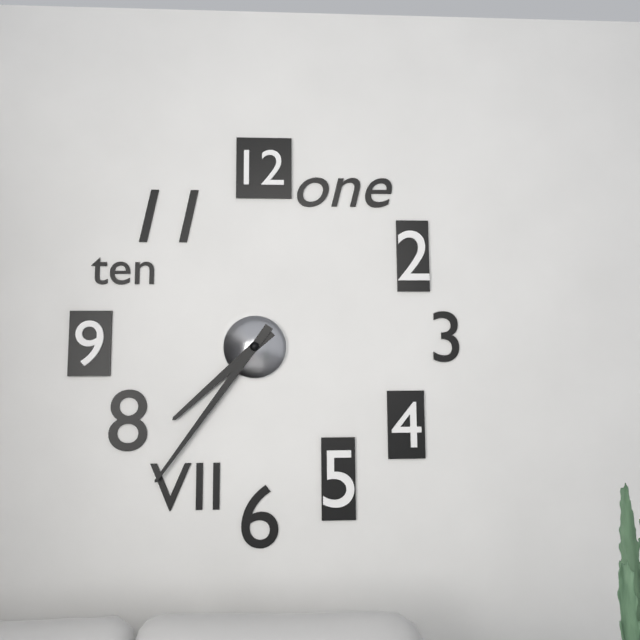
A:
7 h 36 min
